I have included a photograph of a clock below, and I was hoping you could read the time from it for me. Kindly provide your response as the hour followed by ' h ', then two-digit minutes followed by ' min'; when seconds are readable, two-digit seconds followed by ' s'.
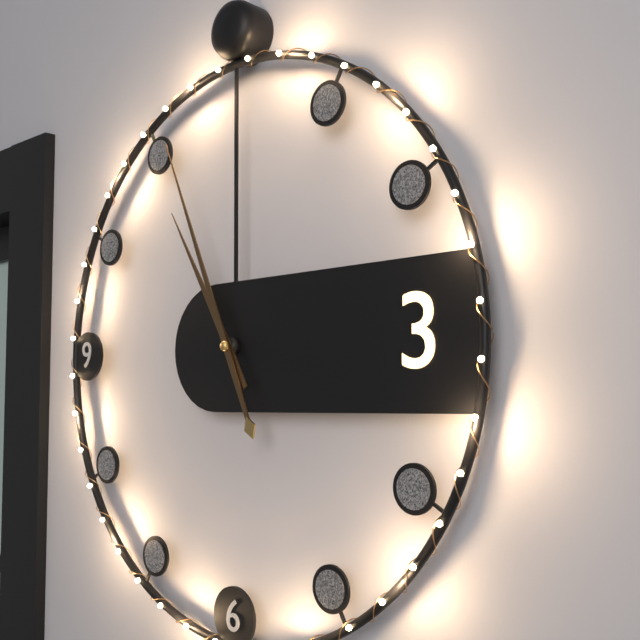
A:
10 h 56 min
